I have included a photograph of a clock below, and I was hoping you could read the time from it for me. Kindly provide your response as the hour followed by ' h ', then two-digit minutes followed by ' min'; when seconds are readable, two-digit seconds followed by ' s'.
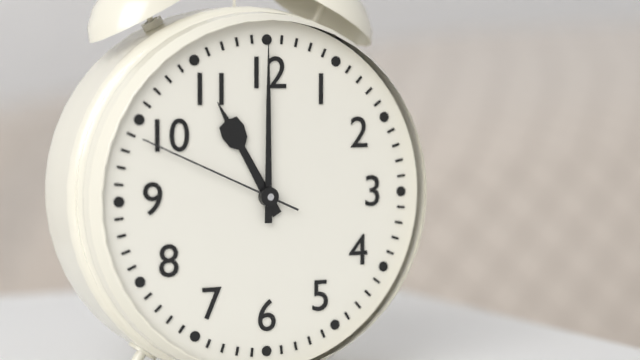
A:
11 h 00 min 49 s
